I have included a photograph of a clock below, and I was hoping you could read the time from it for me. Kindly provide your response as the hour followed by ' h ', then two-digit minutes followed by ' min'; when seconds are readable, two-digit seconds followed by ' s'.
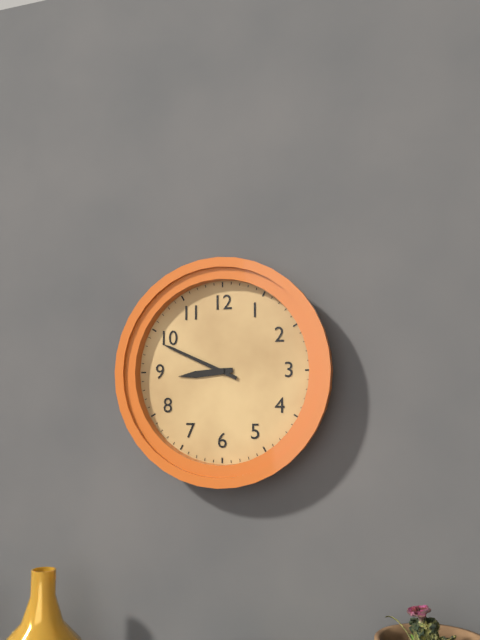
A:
8 h 49 min
